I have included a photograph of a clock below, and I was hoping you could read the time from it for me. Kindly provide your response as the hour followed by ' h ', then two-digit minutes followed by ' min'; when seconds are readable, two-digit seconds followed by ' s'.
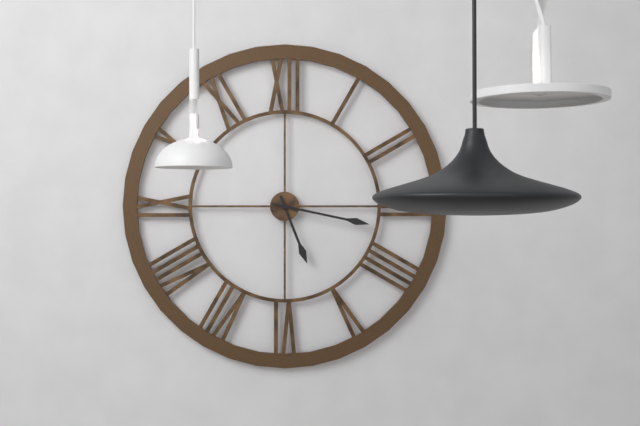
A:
5 h 17 min
